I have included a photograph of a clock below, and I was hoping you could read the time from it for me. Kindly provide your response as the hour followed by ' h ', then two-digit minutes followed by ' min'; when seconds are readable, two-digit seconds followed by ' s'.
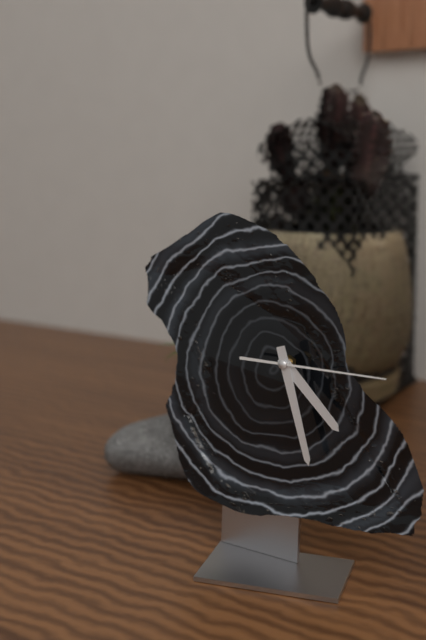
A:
4 h 27 min 15 s
